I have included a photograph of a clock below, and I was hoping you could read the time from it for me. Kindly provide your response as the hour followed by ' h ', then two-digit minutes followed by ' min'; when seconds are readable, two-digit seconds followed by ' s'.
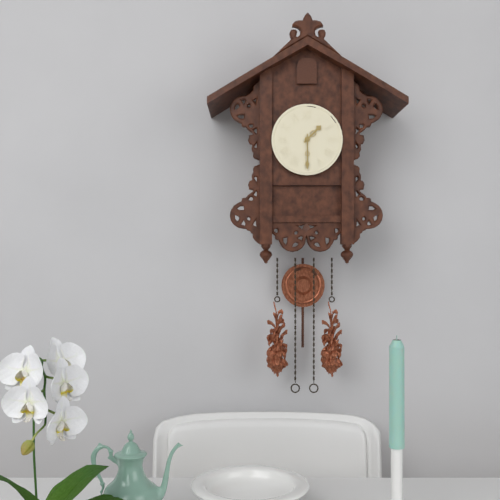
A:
1 h 30 min
